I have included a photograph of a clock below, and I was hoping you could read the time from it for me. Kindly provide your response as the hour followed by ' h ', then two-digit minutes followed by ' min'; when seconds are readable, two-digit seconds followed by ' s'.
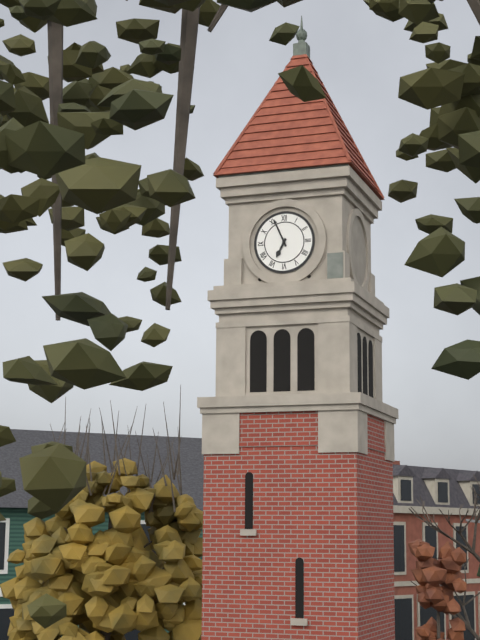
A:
6 h 56 min
